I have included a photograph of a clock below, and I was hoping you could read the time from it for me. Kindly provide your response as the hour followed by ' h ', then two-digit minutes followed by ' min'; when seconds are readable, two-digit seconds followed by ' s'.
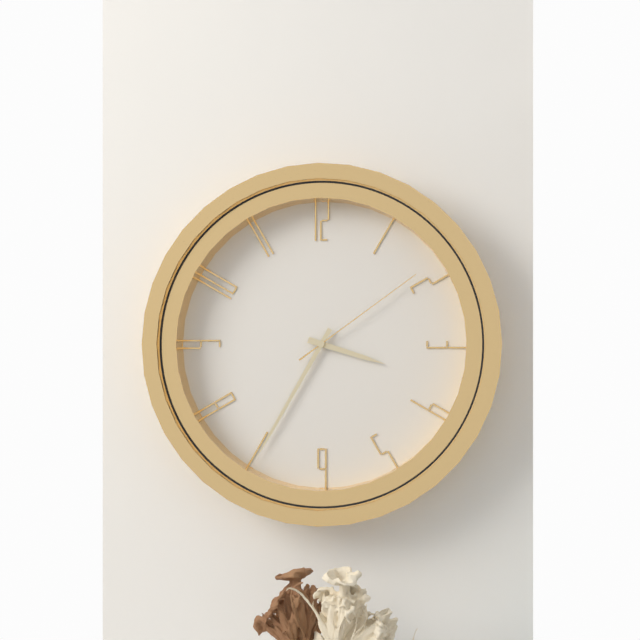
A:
3 h 35 min 09 s
